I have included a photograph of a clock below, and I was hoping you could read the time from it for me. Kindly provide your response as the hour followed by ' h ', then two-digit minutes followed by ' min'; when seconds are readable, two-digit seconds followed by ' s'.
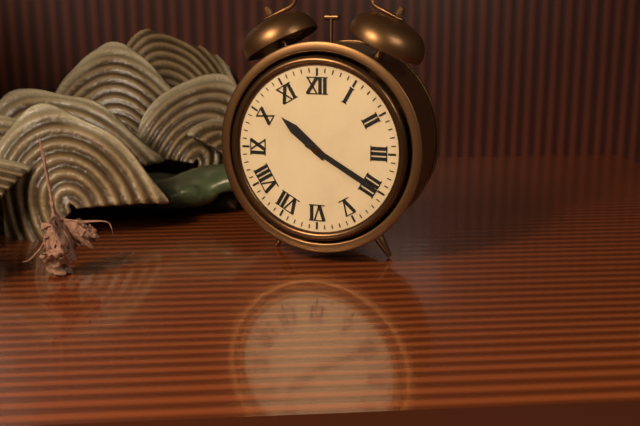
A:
10 h 20 min
